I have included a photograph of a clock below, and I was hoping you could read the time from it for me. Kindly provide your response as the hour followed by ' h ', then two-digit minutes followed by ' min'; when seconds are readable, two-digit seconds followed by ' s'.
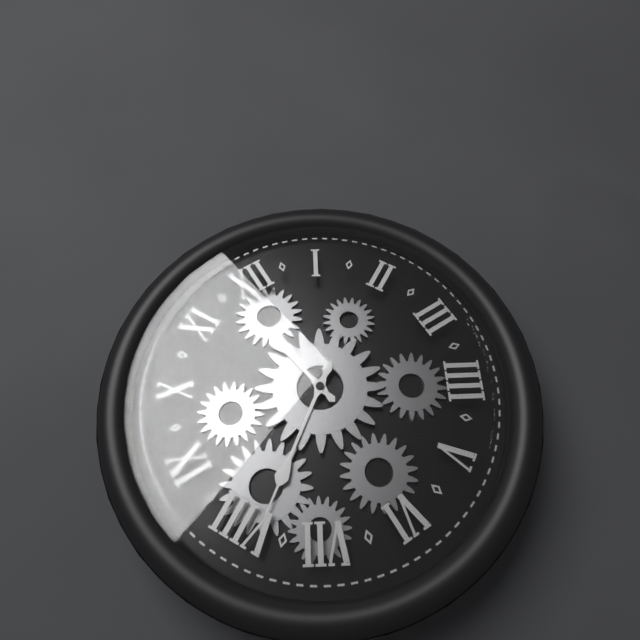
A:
11 h 39 min
